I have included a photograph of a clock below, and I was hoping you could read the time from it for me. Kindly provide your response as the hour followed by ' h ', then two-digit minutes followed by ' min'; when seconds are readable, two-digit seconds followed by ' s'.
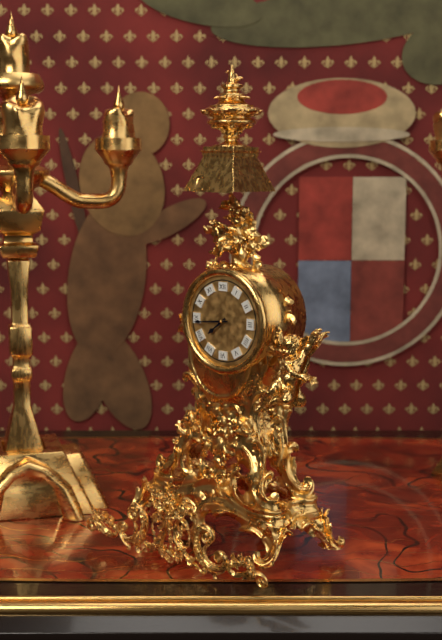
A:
7 h 44 min
